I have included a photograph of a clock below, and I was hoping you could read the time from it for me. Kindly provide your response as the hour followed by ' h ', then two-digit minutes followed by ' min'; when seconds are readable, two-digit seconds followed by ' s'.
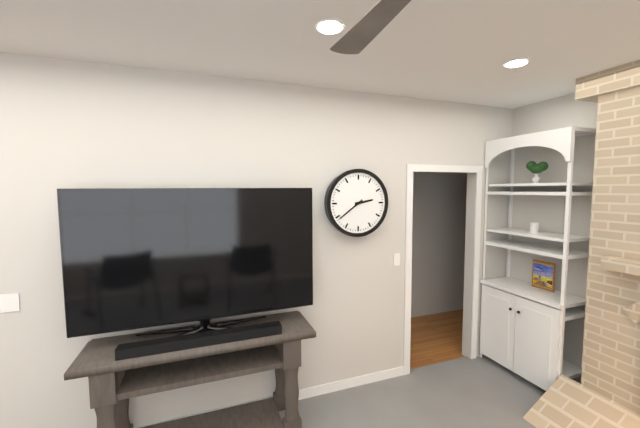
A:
2 h 39 min
